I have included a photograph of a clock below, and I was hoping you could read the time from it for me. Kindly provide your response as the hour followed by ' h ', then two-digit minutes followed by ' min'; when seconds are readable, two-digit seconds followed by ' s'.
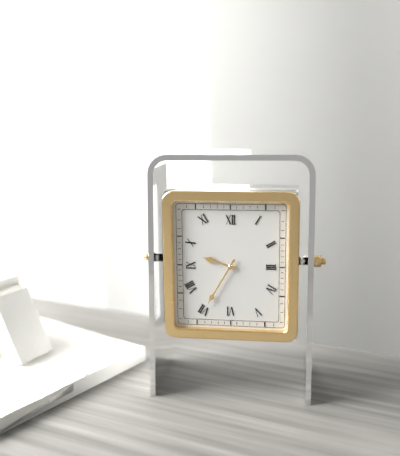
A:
9 h 35 min
